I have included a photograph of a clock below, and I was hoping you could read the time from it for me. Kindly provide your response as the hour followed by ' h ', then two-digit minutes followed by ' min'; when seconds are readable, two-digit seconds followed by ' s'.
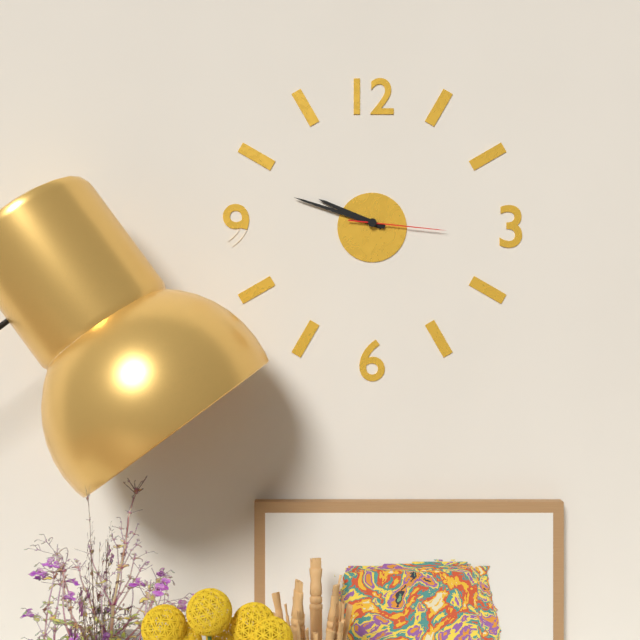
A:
9 h 48 min 16 s
